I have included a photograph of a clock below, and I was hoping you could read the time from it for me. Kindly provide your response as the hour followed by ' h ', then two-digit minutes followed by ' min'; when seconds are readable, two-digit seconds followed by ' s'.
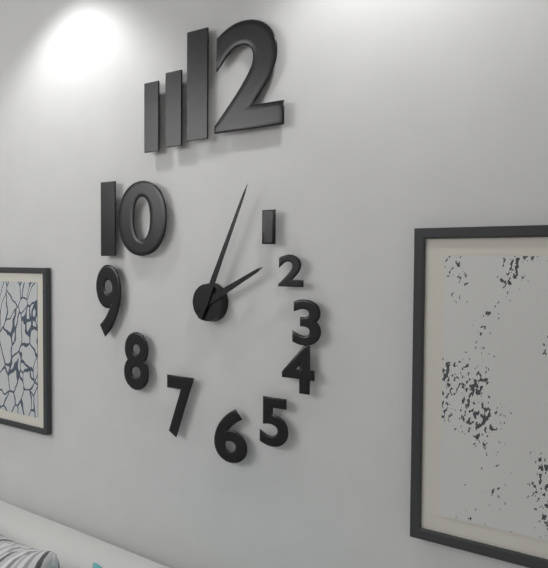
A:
2 h 04 min
